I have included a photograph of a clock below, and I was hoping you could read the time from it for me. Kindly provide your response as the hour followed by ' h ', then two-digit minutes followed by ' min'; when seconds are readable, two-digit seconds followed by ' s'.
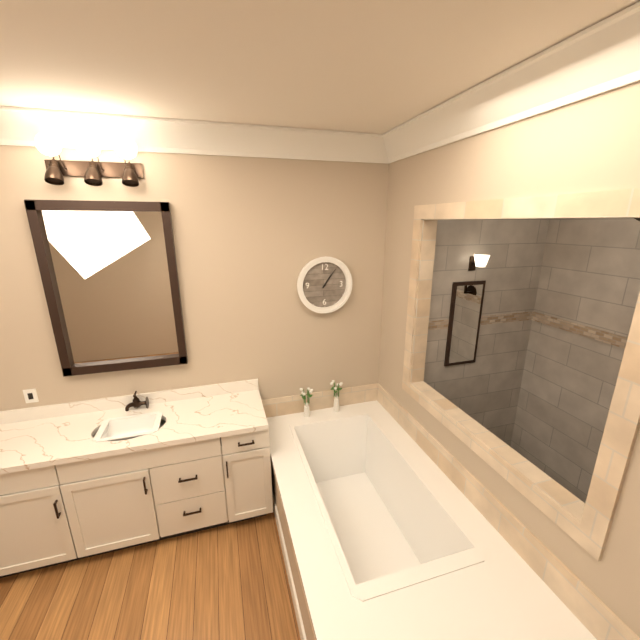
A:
1 h 06 min
